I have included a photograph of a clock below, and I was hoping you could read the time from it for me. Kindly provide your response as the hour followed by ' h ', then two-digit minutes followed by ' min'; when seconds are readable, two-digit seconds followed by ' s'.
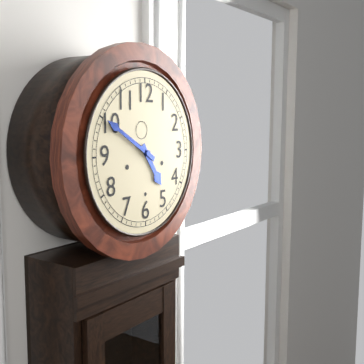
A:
4 h 50 min
